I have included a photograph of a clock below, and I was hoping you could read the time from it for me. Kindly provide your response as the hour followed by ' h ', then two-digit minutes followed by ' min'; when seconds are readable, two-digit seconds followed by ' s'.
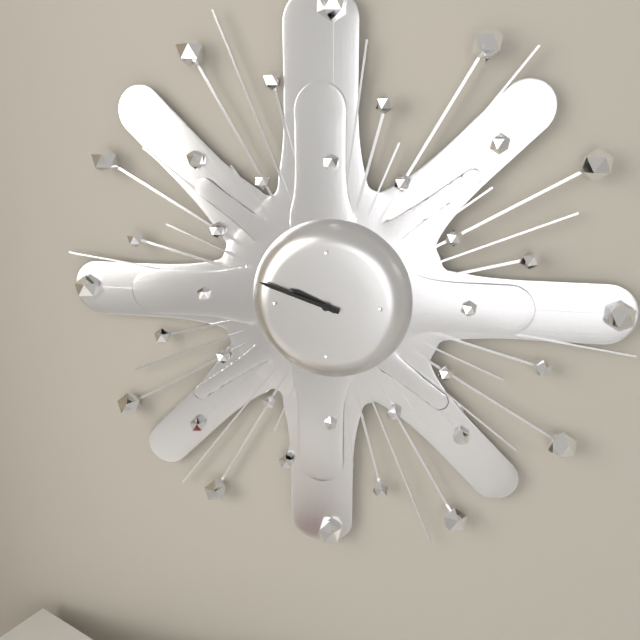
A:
9 h 48 min
